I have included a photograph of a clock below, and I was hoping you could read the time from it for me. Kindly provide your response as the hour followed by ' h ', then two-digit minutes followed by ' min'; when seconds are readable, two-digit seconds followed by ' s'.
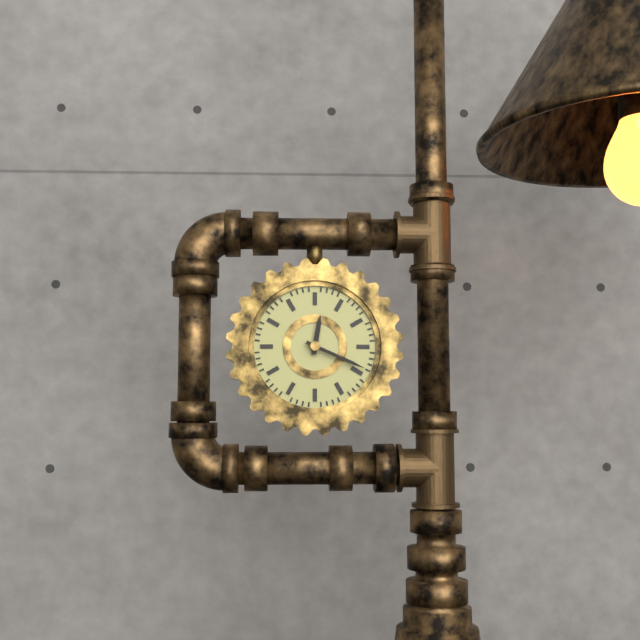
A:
12 h 19 min
